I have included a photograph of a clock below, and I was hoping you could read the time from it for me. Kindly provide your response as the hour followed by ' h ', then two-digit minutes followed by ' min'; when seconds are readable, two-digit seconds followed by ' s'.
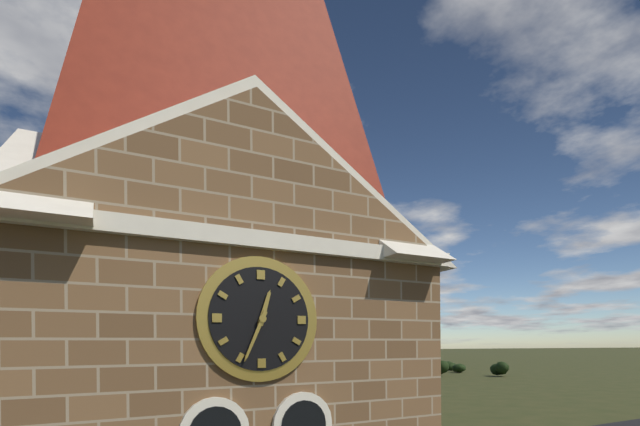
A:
12 h 34 min
